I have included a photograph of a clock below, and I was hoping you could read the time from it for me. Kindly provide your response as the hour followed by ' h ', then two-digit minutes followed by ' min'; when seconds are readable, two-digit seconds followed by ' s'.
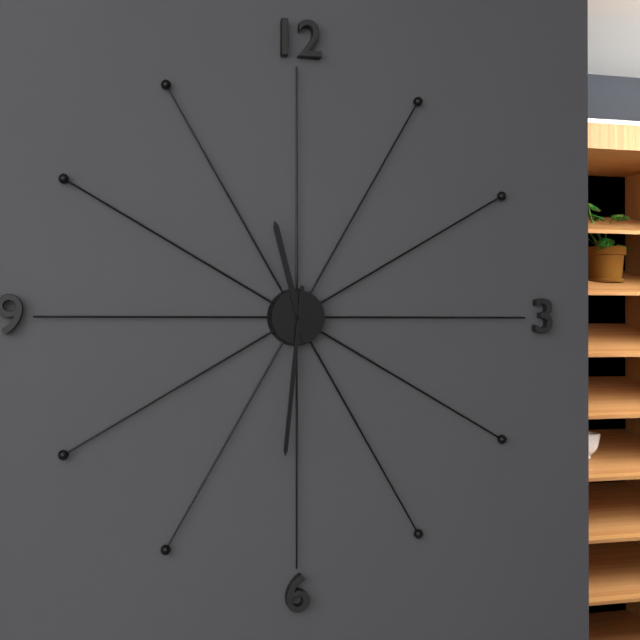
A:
11 h 31 min
